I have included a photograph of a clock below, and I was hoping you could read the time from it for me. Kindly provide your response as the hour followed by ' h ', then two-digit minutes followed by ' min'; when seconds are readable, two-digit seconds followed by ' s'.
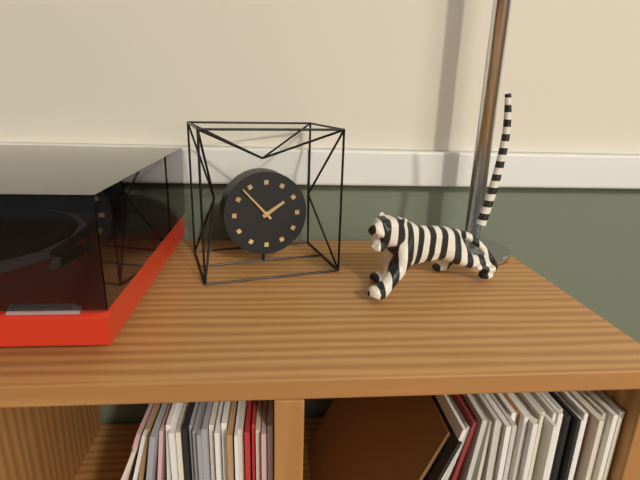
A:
1 h 53 min
